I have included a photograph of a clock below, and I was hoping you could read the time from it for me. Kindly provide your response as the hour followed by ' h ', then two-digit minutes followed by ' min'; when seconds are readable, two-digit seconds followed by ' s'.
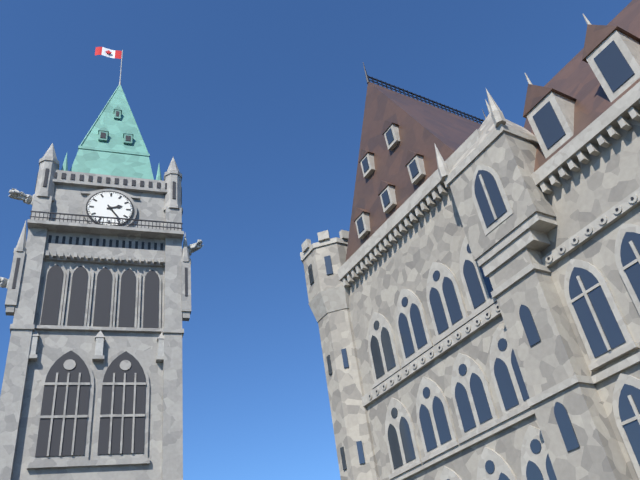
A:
2 h 24 min
